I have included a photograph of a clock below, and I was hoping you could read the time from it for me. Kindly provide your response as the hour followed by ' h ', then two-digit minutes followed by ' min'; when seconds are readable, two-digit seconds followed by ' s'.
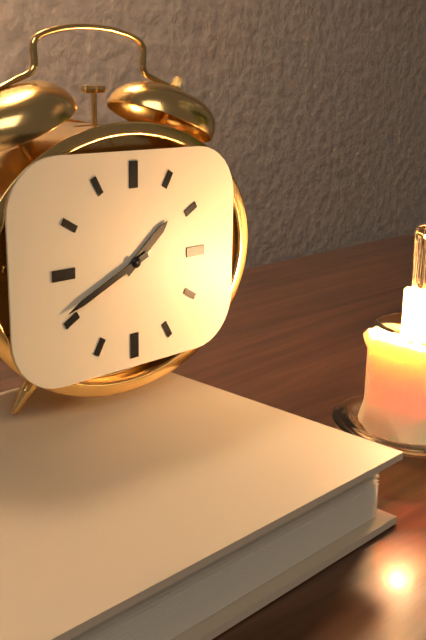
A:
1 h 41 min
